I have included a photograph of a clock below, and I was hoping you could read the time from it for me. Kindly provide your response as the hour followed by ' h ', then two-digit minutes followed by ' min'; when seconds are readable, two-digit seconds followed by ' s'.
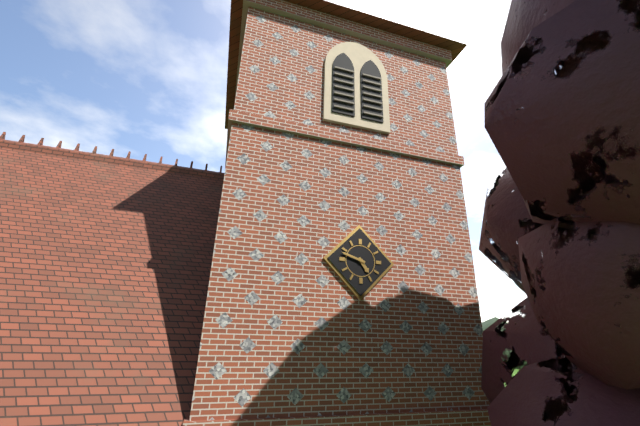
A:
4 h 48 min
